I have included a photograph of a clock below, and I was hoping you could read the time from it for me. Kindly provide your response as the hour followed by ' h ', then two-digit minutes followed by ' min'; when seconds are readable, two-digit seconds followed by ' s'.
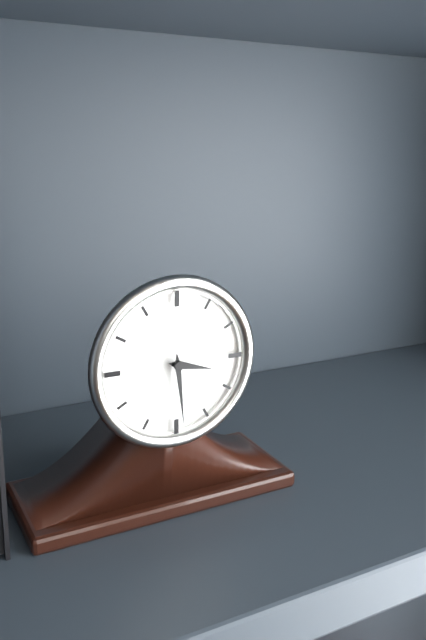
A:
3 h 29 min
